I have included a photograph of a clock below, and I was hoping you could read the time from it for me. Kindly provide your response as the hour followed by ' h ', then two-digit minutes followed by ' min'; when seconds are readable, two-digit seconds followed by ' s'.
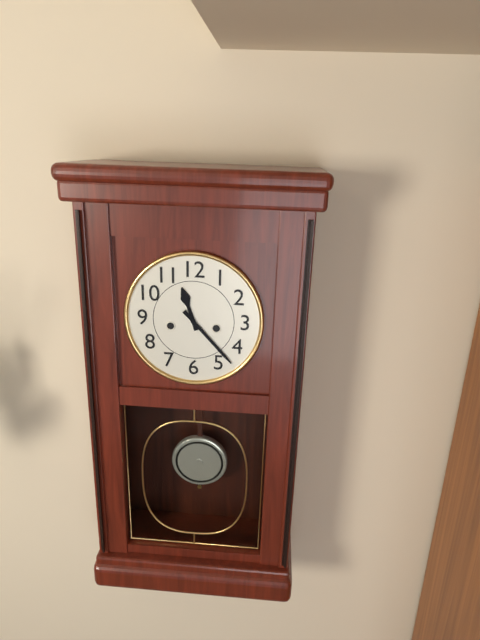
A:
11 h 23 min
